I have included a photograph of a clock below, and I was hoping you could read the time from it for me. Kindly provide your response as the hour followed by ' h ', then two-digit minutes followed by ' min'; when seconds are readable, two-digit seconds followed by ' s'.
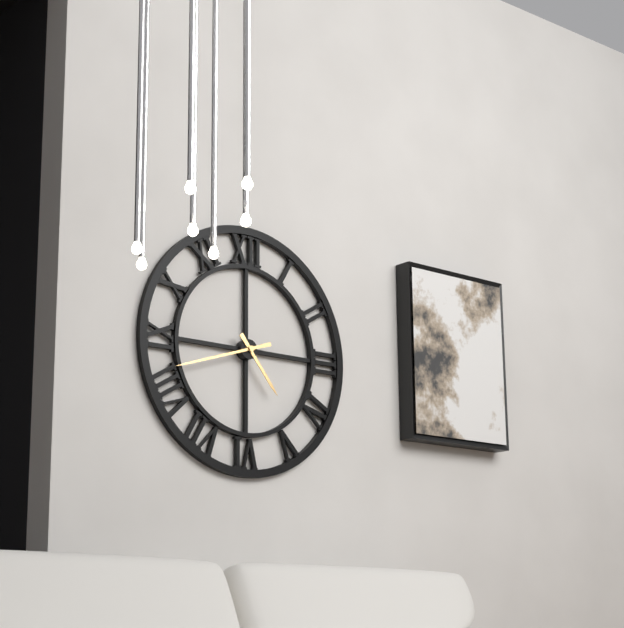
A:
4 h 42 min
